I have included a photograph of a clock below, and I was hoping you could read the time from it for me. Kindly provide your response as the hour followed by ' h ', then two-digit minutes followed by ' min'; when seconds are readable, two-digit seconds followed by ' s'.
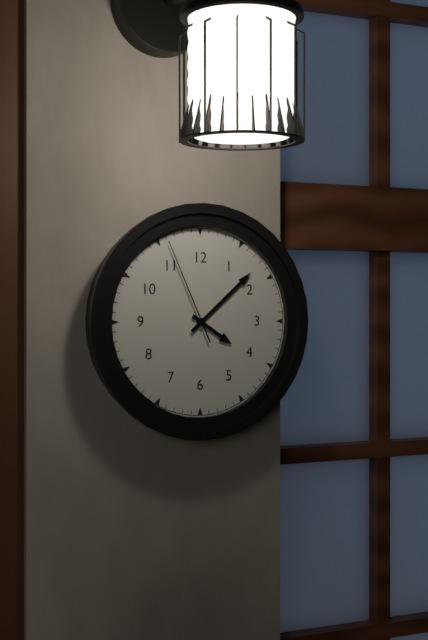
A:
4 h 08 min 56 s
